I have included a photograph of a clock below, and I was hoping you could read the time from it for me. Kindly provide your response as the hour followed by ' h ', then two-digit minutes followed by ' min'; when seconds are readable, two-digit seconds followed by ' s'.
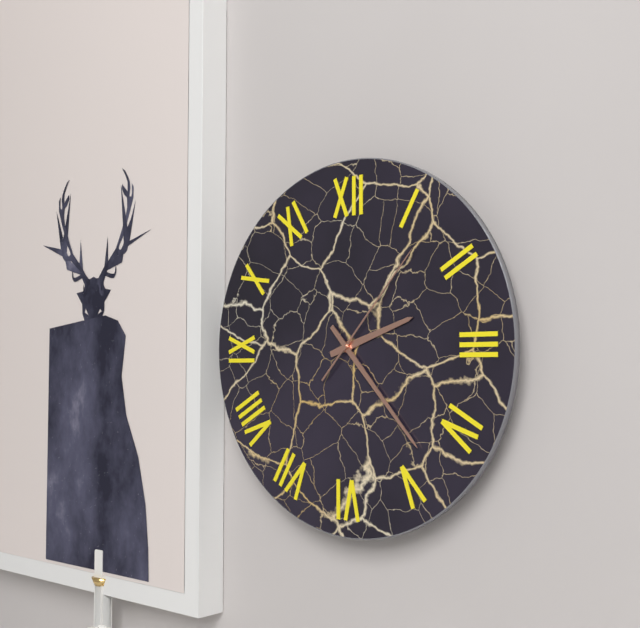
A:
2 h 23 min 07 s
